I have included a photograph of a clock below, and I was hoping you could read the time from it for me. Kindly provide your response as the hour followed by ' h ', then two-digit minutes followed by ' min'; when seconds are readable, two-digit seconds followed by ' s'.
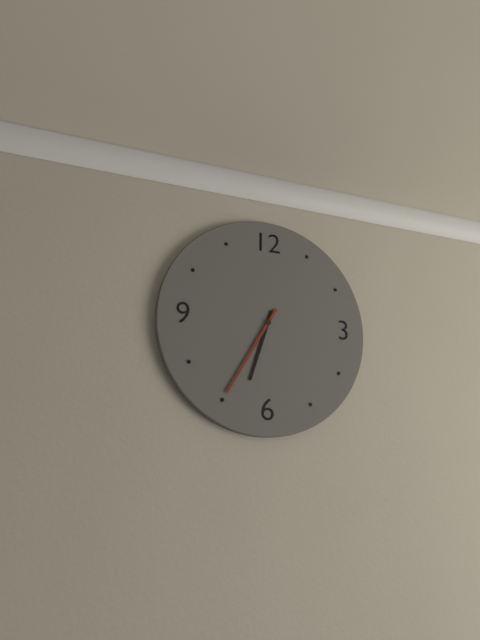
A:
6 h 35 min
